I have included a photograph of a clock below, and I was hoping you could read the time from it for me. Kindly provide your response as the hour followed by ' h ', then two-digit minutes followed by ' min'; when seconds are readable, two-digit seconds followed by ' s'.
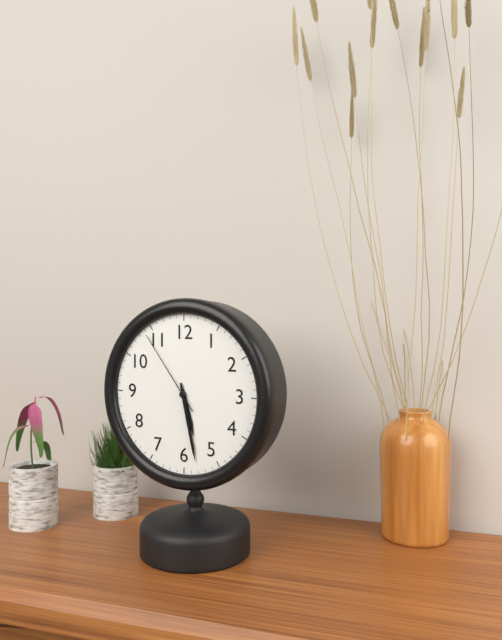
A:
5 h 28 min 54 s
